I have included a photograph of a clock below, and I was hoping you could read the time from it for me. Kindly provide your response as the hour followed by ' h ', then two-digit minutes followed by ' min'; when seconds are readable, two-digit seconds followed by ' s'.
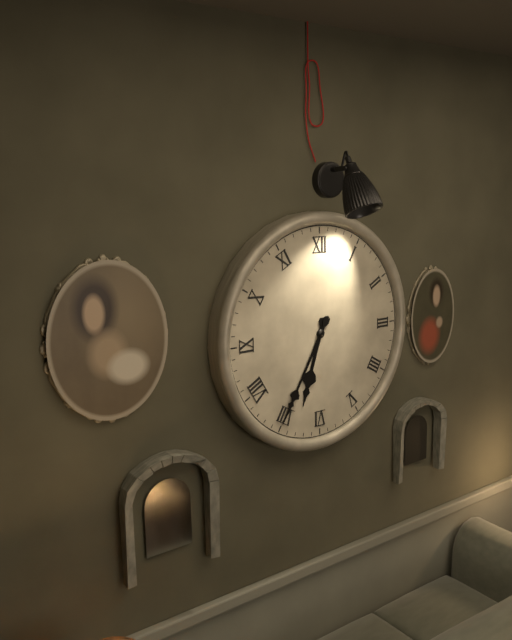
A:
6 h 35 min
